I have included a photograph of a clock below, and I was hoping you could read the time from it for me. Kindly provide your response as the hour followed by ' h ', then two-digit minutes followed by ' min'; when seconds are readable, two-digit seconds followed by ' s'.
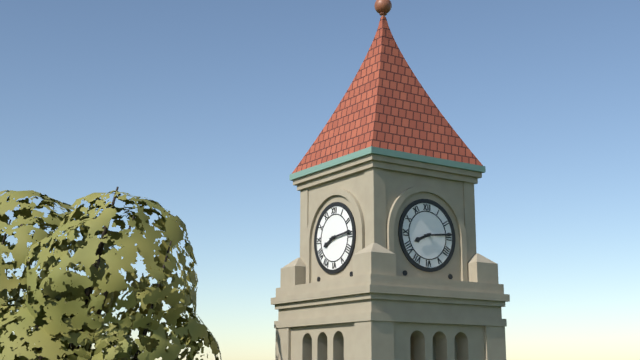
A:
8 h 14 min
